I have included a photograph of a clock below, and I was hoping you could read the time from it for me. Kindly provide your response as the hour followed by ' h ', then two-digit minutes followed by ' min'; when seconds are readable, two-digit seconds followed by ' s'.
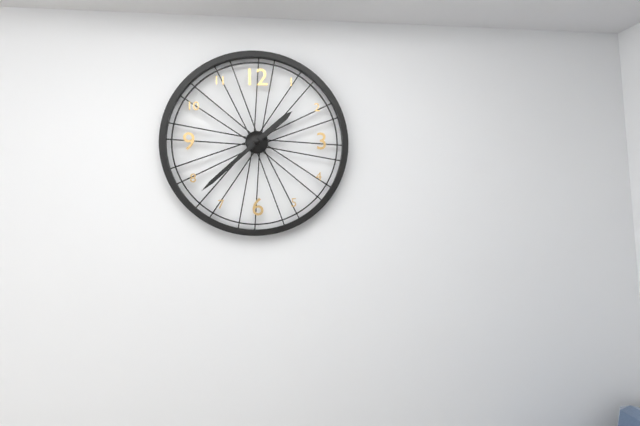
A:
1 h 38 min
